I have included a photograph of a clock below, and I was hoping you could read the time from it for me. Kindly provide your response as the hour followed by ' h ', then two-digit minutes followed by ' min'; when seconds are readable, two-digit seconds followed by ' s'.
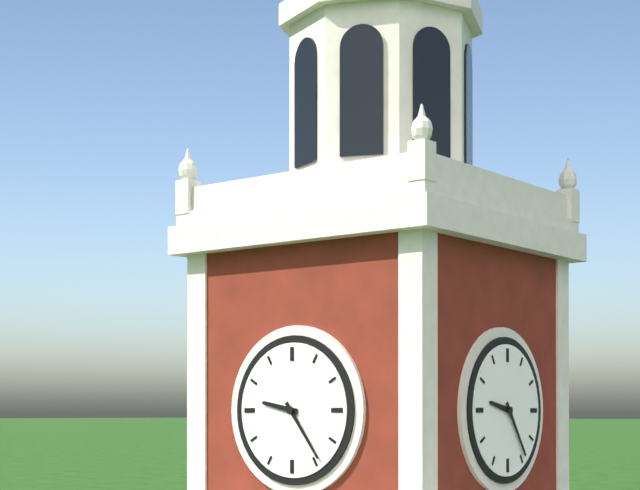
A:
9 h 24 min
